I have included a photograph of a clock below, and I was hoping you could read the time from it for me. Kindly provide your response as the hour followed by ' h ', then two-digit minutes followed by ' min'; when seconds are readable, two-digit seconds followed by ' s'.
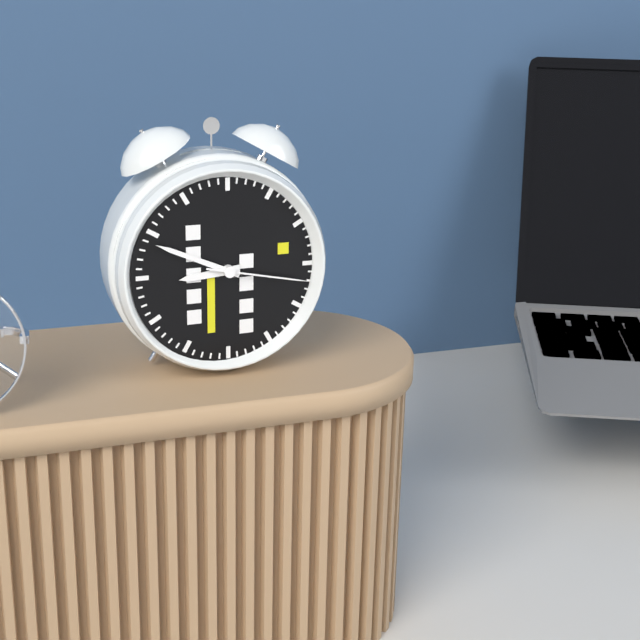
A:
8 h 49 min 17 s
